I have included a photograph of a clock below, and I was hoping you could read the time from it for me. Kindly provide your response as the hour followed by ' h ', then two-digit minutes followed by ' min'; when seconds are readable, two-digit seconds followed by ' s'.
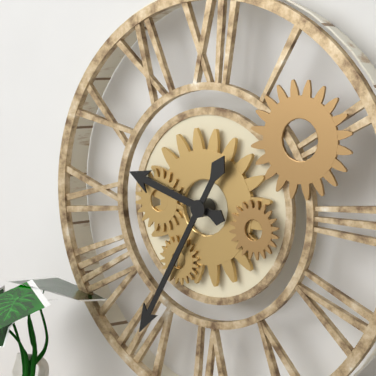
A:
9 h 35 min
